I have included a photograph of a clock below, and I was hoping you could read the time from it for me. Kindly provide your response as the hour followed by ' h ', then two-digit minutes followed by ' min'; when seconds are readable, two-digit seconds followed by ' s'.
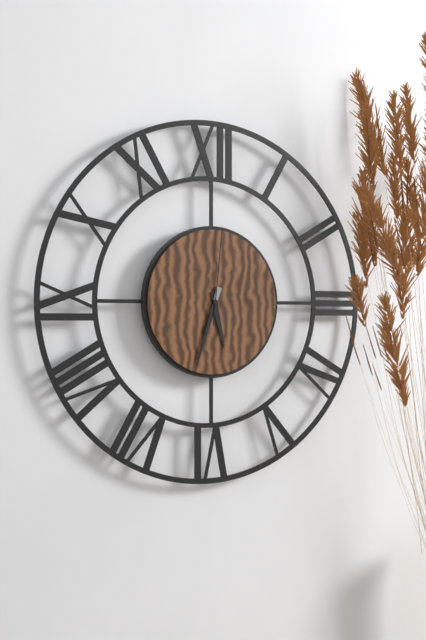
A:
5 h 33 min 01 s
